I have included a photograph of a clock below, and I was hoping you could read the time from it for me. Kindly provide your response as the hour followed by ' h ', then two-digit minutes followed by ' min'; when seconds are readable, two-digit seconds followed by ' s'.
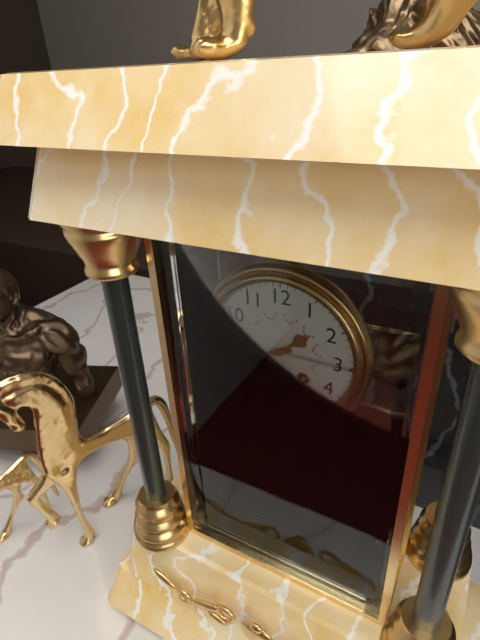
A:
1 h 41 min
